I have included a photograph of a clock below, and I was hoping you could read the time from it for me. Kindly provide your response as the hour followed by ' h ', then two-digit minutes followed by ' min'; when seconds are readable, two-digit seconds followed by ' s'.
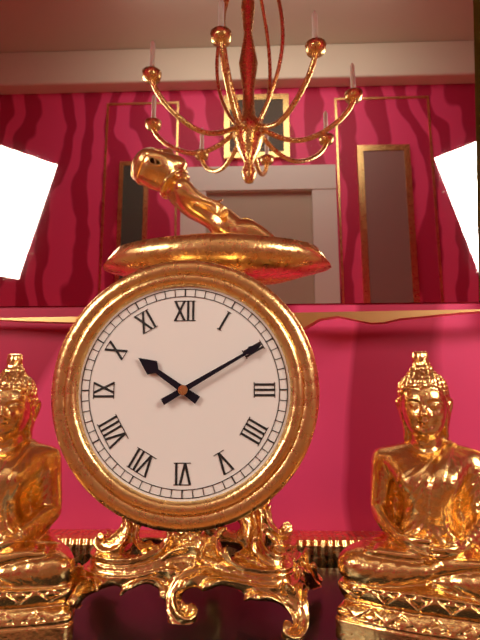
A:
10 h 10 min
